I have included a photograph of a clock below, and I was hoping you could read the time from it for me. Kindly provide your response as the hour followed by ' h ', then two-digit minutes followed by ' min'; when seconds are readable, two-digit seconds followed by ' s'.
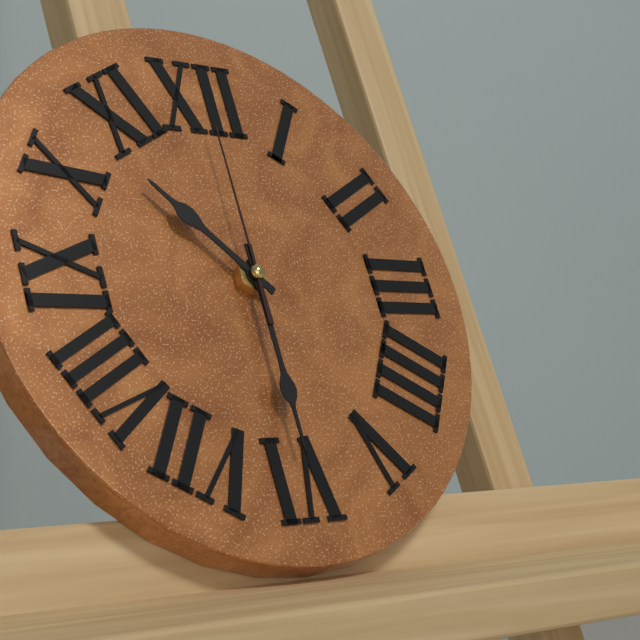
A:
10 h 30 min 00 s
